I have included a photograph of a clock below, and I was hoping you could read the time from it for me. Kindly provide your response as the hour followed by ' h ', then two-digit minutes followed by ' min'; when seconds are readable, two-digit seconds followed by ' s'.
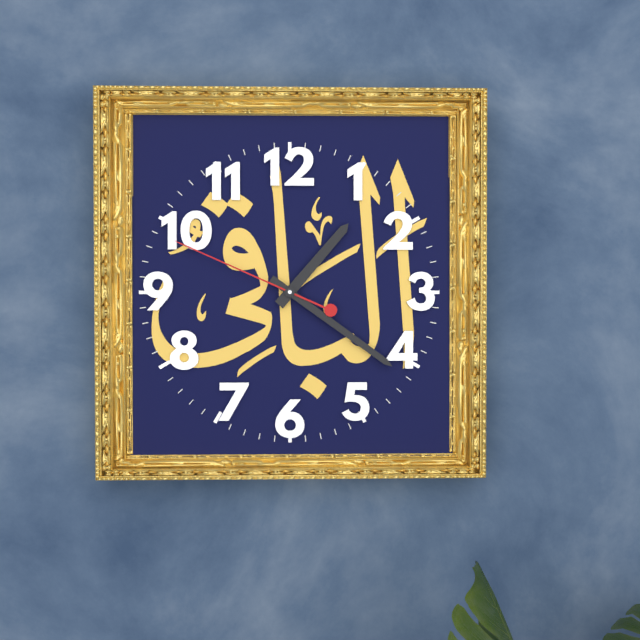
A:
1 h 21 min 49 s
